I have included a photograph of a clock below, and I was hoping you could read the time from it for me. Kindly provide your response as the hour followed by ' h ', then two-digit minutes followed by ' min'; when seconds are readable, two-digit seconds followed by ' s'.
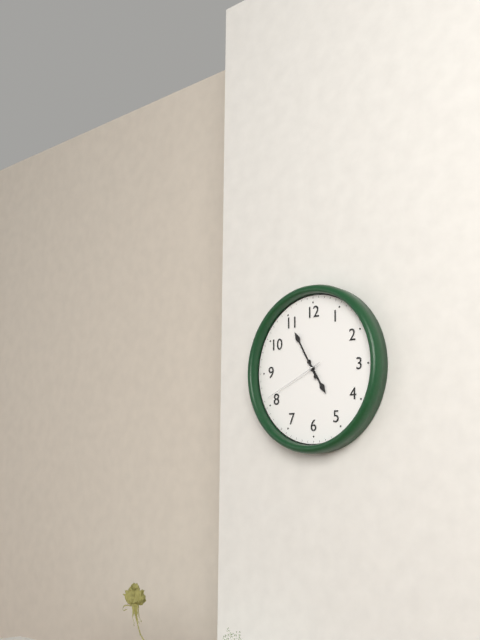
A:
4 h 55 min 41 s
